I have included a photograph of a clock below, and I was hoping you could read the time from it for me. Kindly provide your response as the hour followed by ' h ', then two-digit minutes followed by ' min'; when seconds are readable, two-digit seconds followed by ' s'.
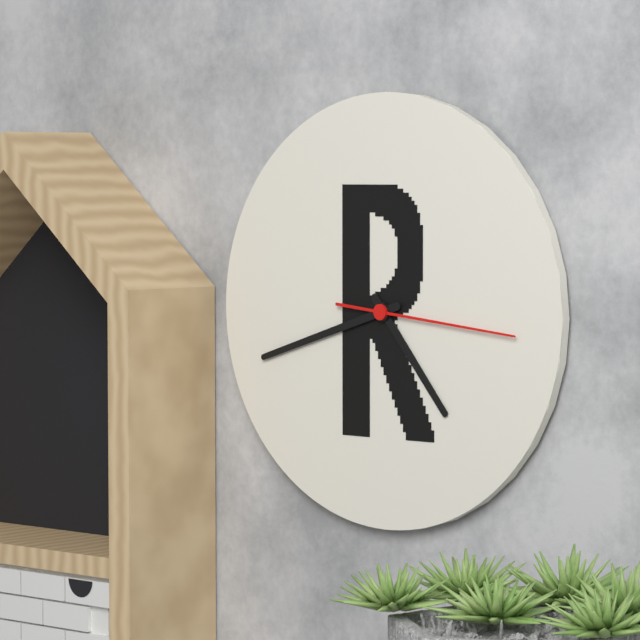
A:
4 h 42 min 16 s
